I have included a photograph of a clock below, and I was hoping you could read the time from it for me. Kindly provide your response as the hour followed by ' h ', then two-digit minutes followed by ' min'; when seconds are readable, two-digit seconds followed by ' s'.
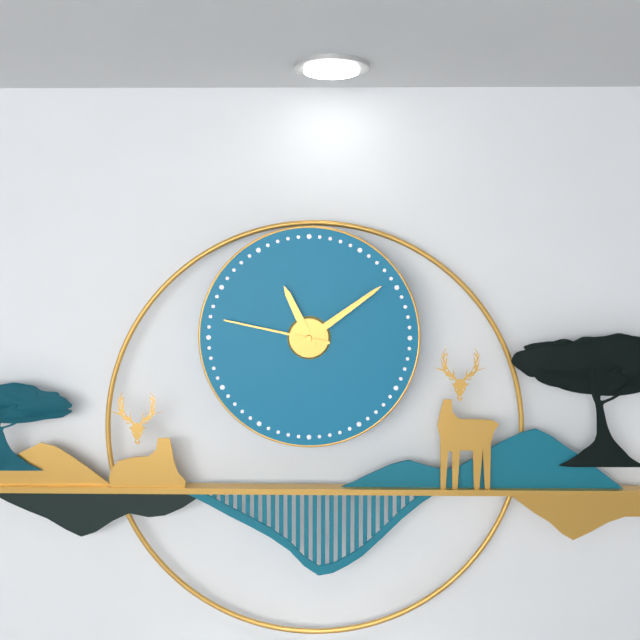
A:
11 h 09 min 47 s
